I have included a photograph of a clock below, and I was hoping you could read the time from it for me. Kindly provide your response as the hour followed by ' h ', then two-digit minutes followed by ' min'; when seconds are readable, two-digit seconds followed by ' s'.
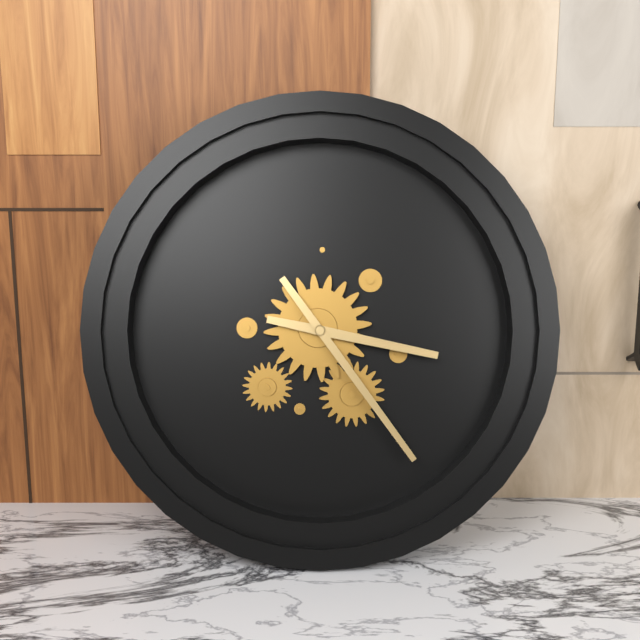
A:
3 h 24 min
